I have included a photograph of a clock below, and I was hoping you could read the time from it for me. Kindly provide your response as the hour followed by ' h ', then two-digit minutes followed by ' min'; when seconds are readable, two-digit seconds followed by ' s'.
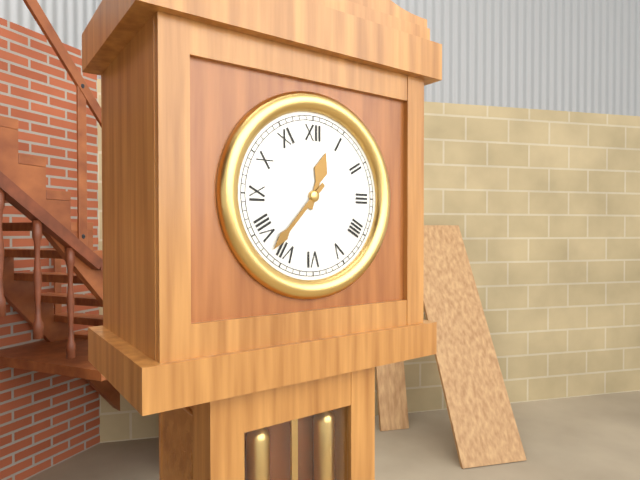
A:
12 h 37 min
